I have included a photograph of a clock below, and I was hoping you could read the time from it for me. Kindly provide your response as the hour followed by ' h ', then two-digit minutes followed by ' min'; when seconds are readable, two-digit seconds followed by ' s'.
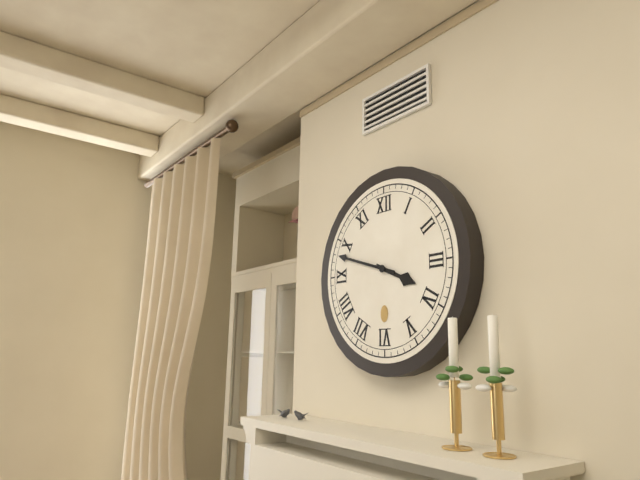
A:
3 h 48 min
